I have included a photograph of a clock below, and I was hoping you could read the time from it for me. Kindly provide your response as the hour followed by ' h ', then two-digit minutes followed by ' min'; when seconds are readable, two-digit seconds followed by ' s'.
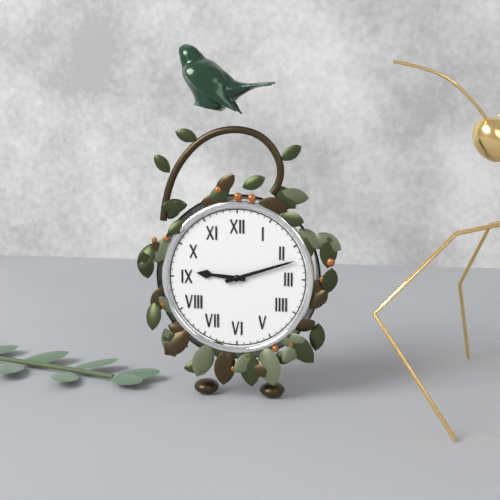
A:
9 h 12 min
